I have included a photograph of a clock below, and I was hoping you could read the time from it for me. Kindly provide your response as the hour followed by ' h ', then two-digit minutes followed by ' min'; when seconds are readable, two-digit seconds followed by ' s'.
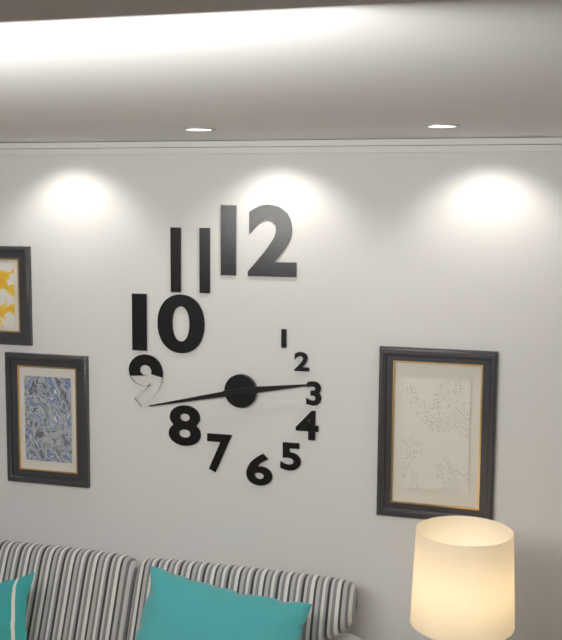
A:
2 h 43 min
